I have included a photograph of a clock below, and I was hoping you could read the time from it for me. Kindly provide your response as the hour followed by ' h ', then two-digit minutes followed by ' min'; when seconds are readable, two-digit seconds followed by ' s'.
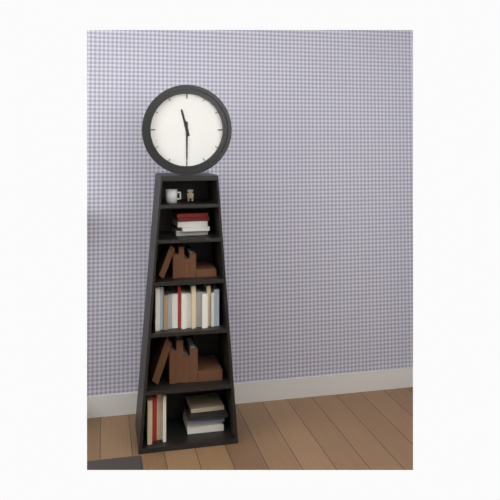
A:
11 h 30 min
